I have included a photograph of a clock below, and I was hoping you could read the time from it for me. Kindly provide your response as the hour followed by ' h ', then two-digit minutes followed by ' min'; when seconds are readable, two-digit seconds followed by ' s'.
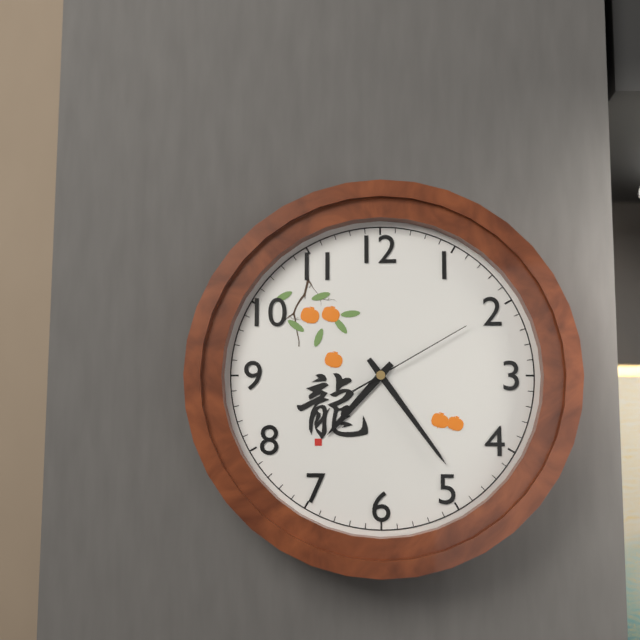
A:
7 h 24 min 10 s
